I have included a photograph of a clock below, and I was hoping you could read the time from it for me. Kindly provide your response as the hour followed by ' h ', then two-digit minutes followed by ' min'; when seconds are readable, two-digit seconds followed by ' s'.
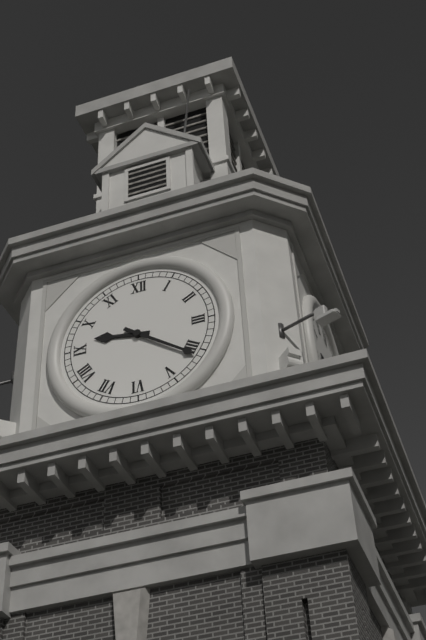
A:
9 h 21 min
